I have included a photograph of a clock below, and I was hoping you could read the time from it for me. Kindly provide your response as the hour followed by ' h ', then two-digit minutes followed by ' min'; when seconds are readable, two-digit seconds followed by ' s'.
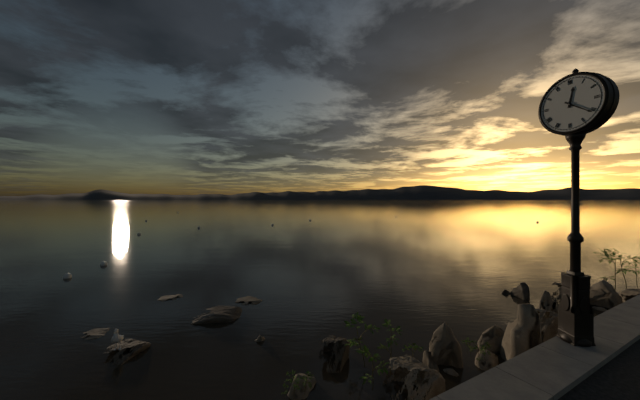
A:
12 h 21 min
